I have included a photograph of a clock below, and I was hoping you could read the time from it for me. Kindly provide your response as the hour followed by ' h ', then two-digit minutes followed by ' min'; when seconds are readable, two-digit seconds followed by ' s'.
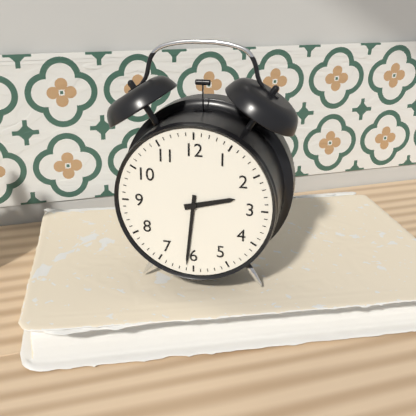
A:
2 h 31 min
